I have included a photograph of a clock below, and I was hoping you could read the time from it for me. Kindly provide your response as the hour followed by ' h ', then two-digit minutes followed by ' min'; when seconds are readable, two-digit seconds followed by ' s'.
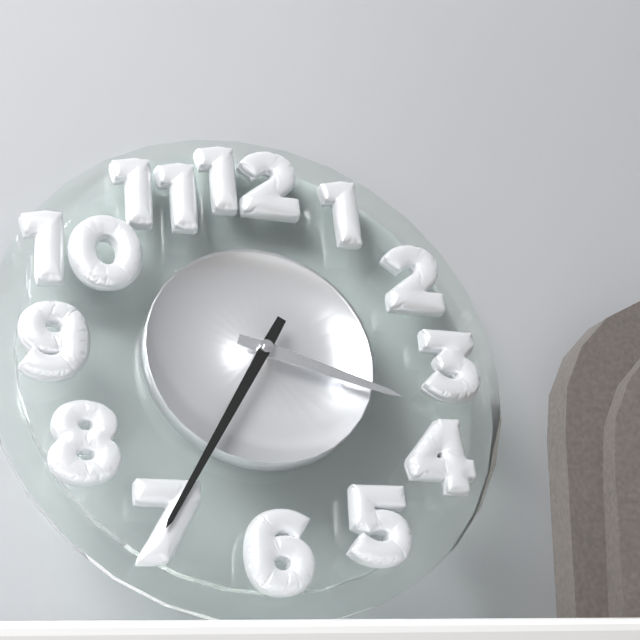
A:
3 h 35 min
